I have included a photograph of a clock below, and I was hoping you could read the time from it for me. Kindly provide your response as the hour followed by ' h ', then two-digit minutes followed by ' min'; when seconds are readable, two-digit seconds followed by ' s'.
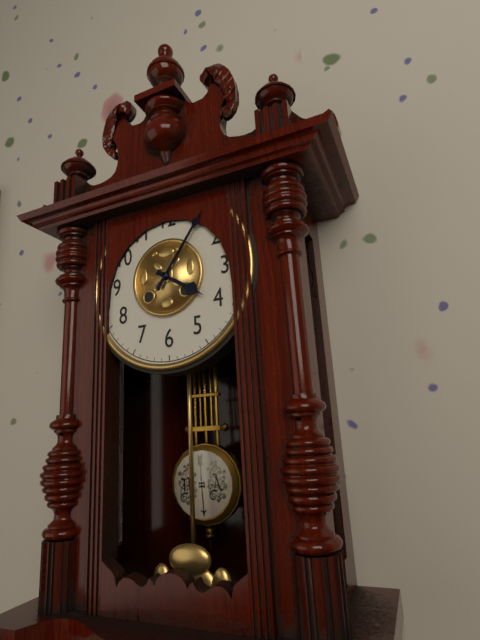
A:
4 h 06 min
